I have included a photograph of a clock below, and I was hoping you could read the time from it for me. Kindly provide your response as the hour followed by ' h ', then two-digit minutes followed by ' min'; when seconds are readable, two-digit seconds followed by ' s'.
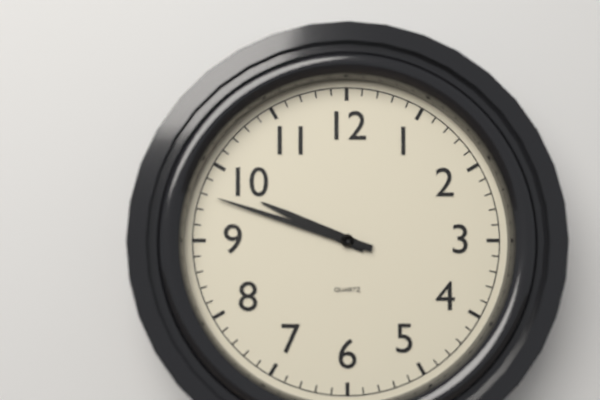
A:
9 h 48 min
